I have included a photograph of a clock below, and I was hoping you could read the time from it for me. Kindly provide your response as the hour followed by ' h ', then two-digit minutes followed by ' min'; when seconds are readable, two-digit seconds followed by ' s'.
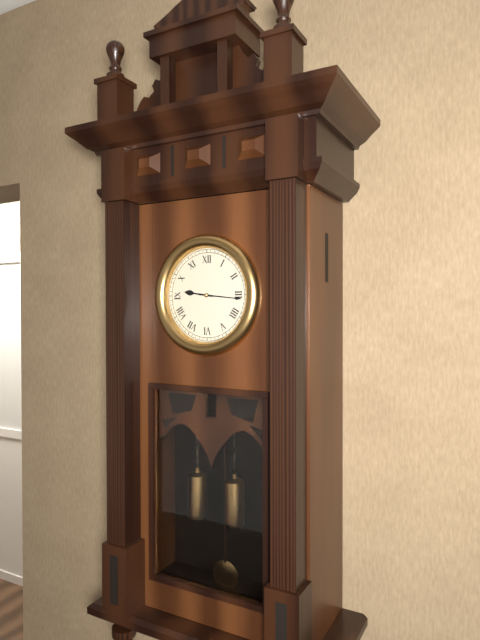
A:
9 h 16 min
